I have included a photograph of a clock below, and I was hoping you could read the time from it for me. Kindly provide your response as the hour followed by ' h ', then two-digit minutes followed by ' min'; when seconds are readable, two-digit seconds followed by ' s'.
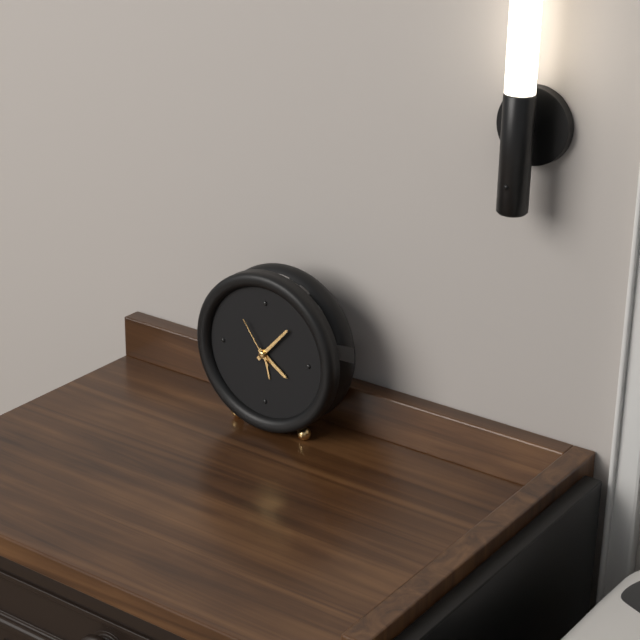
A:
4 h 07 min 54 s
